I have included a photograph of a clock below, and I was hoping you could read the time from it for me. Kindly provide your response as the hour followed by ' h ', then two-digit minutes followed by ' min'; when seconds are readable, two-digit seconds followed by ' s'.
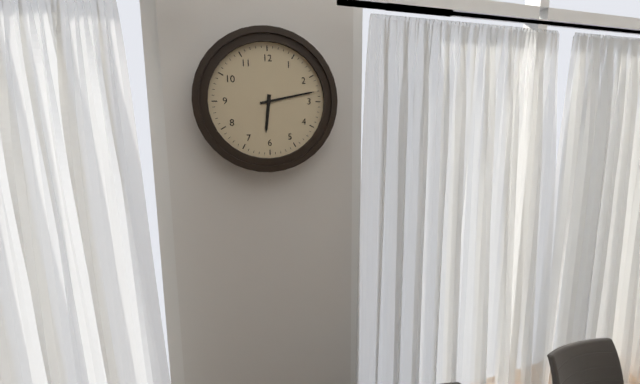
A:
6 h 13 min
